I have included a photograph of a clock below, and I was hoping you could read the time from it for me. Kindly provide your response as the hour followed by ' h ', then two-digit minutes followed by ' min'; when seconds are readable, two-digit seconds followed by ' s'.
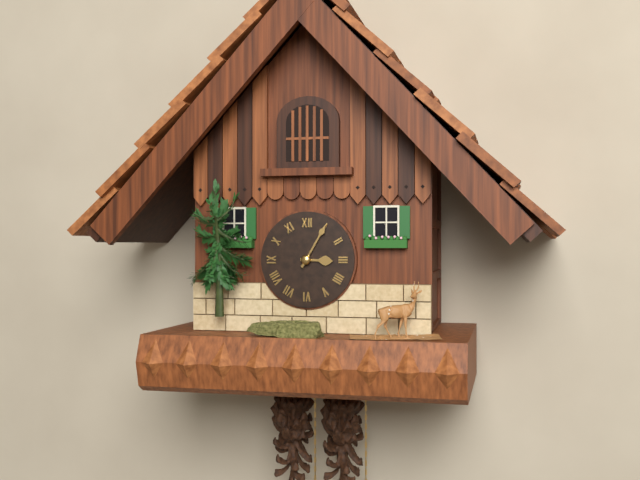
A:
3 h 05 min
